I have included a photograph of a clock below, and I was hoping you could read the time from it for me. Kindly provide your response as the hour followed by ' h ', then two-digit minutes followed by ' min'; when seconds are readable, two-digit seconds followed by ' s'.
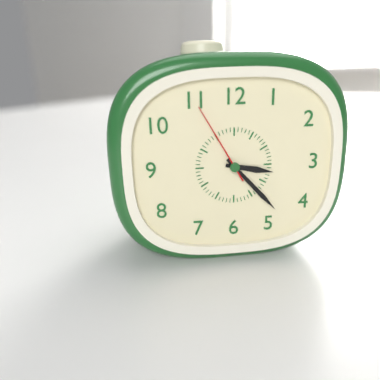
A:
3 h 23 min 55 s
